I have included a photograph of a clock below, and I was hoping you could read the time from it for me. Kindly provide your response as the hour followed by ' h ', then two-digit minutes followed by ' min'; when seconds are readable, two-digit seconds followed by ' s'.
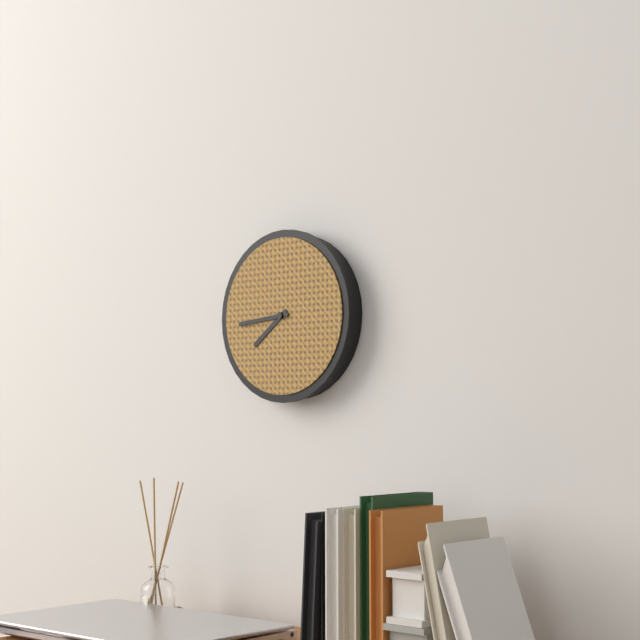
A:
7 h 44 min
